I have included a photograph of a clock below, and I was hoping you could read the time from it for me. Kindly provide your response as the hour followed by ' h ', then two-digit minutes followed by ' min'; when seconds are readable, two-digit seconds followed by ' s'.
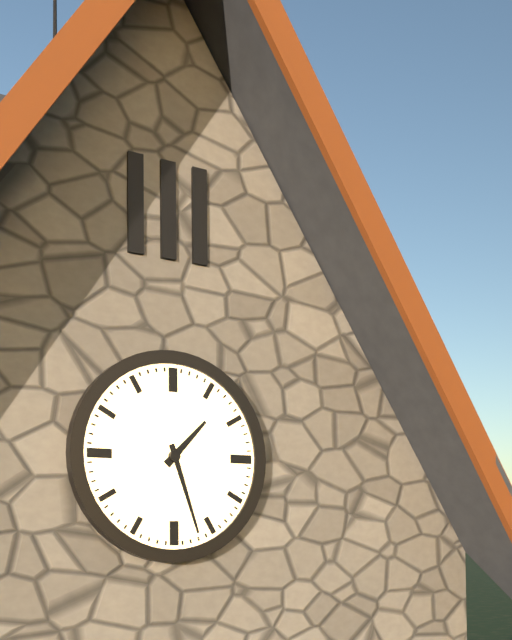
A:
1 h 27 min
